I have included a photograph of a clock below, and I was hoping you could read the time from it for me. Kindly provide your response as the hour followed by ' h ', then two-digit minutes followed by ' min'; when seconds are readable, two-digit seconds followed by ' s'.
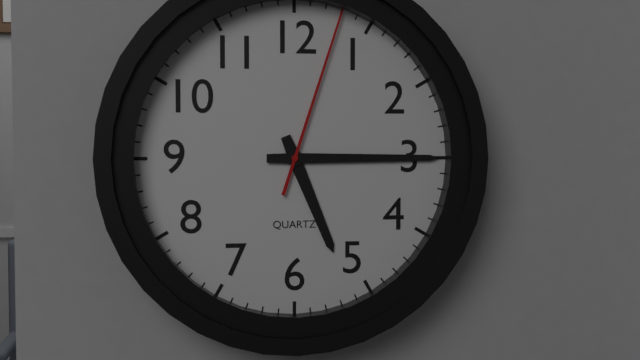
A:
5 h 15 min 03 s
